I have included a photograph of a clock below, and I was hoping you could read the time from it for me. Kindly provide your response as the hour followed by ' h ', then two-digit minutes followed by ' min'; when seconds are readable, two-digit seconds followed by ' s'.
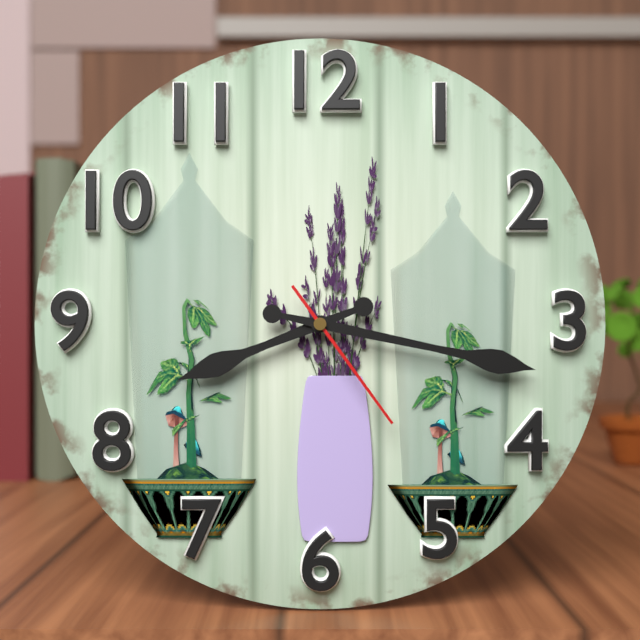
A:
8 h 17 min 24 s
